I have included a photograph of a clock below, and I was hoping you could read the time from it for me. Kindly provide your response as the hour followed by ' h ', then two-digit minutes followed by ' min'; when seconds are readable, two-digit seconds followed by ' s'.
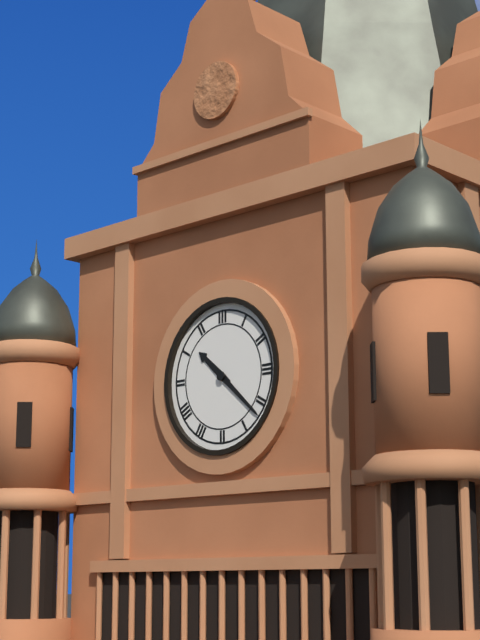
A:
10 h 22 min
